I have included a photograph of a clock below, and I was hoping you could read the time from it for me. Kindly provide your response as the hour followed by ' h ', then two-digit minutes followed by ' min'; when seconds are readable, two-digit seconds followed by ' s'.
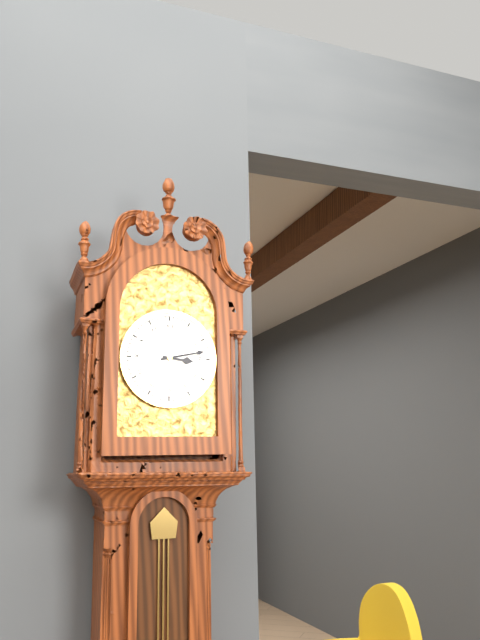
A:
3 h 13 min
